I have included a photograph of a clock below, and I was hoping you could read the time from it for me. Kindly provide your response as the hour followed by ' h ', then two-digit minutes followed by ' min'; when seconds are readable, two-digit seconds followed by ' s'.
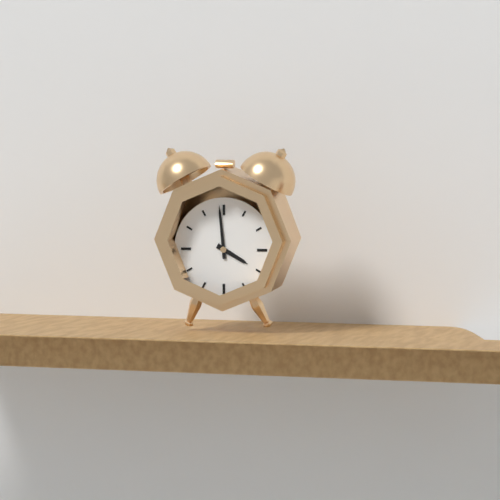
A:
3 h 59 min
